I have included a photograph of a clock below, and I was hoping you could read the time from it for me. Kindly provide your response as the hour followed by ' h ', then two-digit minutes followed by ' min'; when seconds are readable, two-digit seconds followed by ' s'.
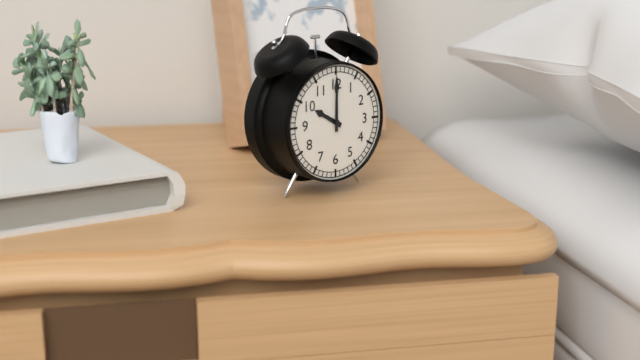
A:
10 h 00 min
